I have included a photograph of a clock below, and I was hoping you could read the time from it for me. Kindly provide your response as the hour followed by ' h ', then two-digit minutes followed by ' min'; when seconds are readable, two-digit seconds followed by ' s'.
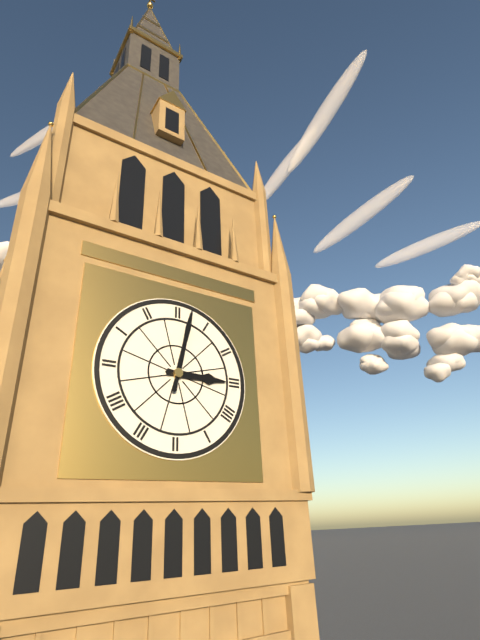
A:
3 h 02 min
